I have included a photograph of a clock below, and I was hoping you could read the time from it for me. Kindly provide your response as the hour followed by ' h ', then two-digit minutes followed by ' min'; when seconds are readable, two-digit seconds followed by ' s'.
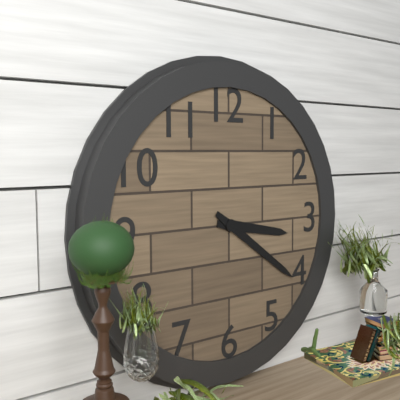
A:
3 h 21 min
